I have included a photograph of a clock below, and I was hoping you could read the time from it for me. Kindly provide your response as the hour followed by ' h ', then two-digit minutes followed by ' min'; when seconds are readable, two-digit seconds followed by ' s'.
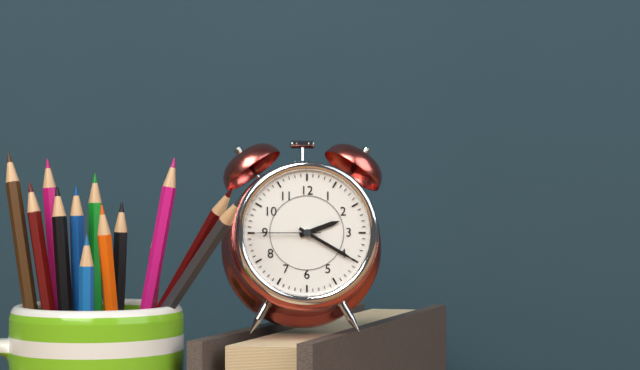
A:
2 h 20 min 45 s
